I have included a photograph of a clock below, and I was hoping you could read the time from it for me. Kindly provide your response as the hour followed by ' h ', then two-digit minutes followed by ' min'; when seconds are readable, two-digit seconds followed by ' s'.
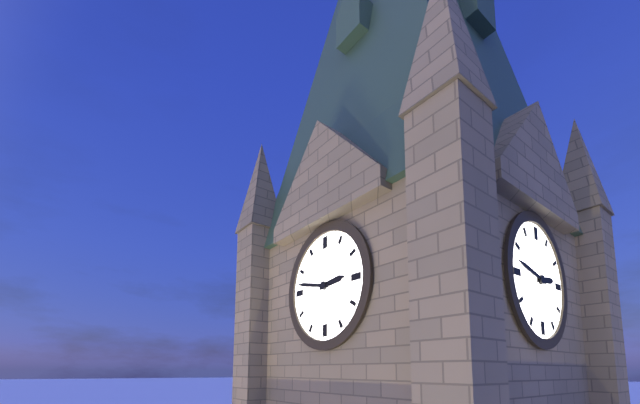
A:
2 h 47 min
